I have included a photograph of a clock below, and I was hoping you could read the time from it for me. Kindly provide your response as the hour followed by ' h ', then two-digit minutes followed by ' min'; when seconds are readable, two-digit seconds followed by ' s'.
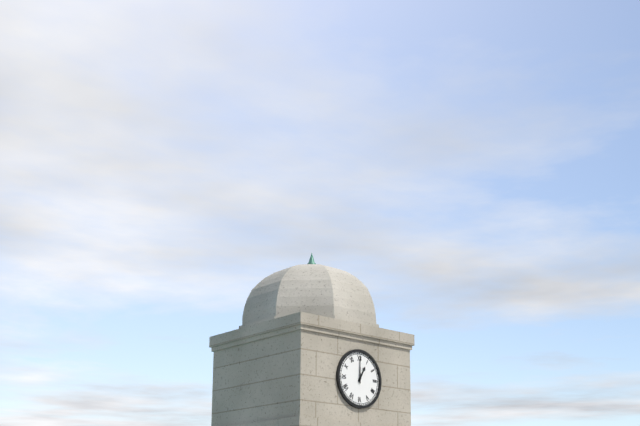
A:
1 h 00 min
